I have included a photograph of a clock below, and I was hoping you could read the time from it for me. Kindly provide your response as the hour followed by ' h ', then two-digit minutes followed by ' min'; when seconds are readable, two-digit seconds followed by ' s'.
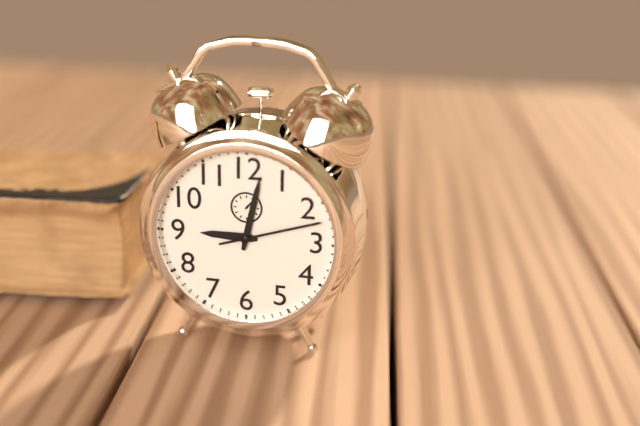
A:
9 h 02 min 12 s
